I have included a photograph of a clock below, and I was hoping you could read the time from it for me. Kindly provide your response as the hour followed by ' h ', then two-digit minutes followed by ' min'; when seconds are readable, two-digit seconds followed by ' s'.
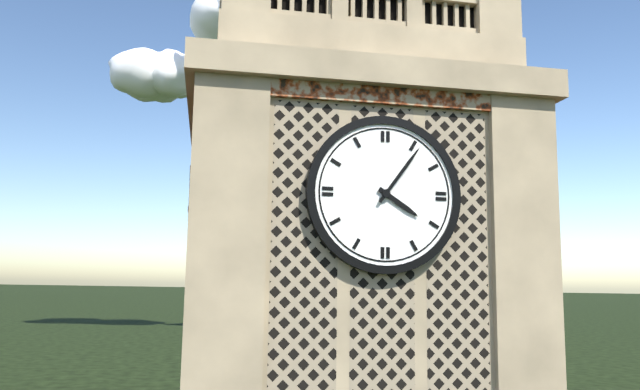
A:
4 h 06 min
